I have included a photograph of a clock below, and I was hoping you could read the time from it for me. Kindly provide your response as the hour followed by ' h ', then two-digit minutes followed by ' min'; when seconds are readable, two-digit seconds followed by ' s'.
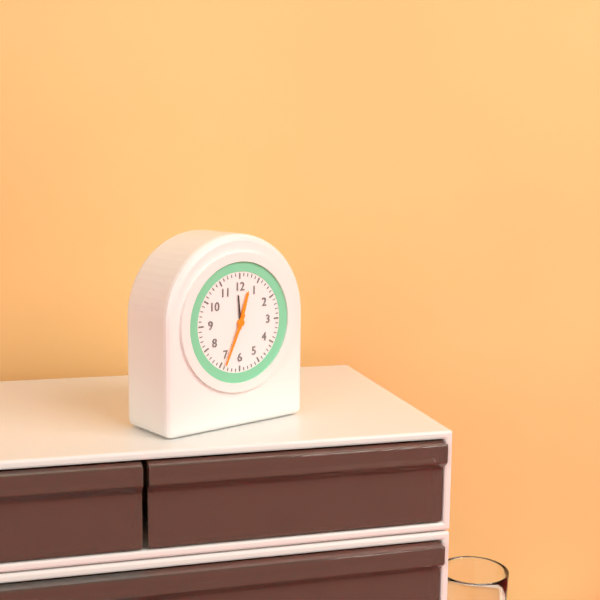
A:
12 h 34 min
